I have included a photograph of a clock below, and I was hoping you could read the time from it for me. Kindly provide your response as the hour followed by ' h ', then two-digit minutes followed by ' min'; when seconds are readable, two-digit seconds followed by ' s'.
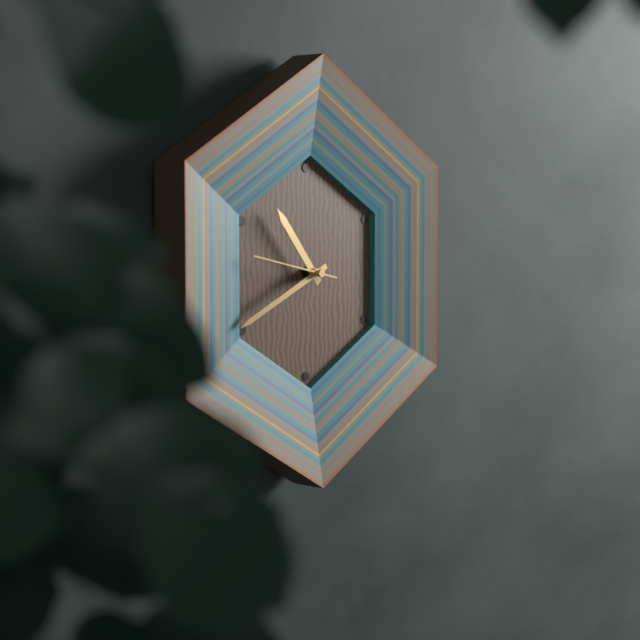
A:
10 h 41 min 47 s
